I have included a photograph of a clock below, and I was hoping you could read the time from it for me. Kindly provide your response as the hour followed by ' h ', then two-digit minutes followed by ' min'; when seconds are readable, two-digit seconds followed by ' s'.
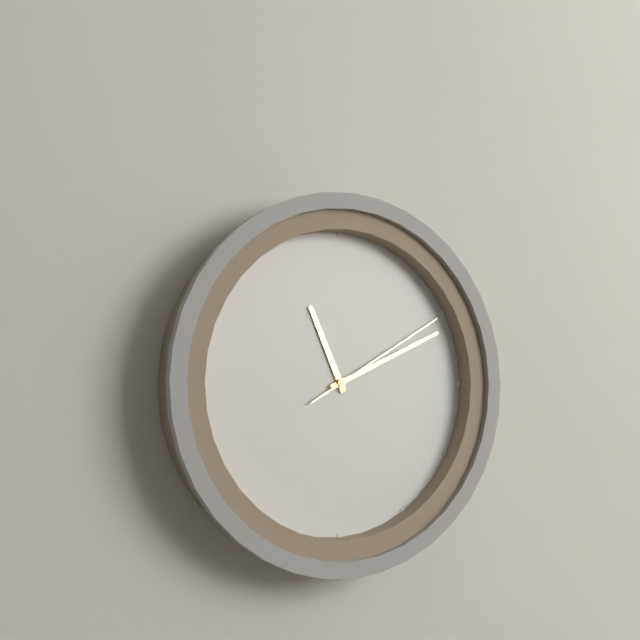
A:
11 h 11 min 10 s
